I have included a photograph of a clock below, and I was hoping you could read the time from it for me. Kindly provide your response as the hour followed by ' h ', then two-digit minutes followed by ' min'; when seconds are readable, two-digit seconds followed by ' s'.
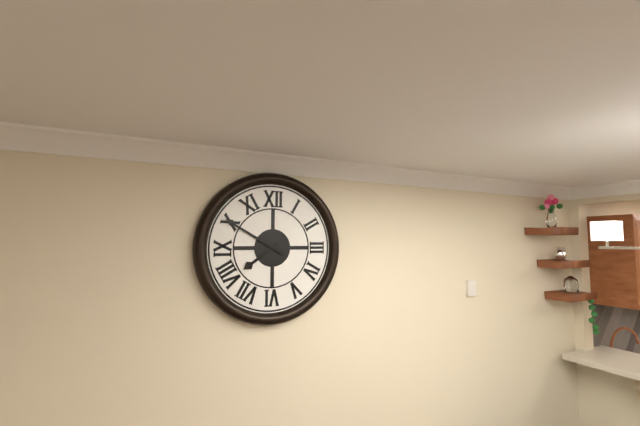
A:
7 h 50 min
